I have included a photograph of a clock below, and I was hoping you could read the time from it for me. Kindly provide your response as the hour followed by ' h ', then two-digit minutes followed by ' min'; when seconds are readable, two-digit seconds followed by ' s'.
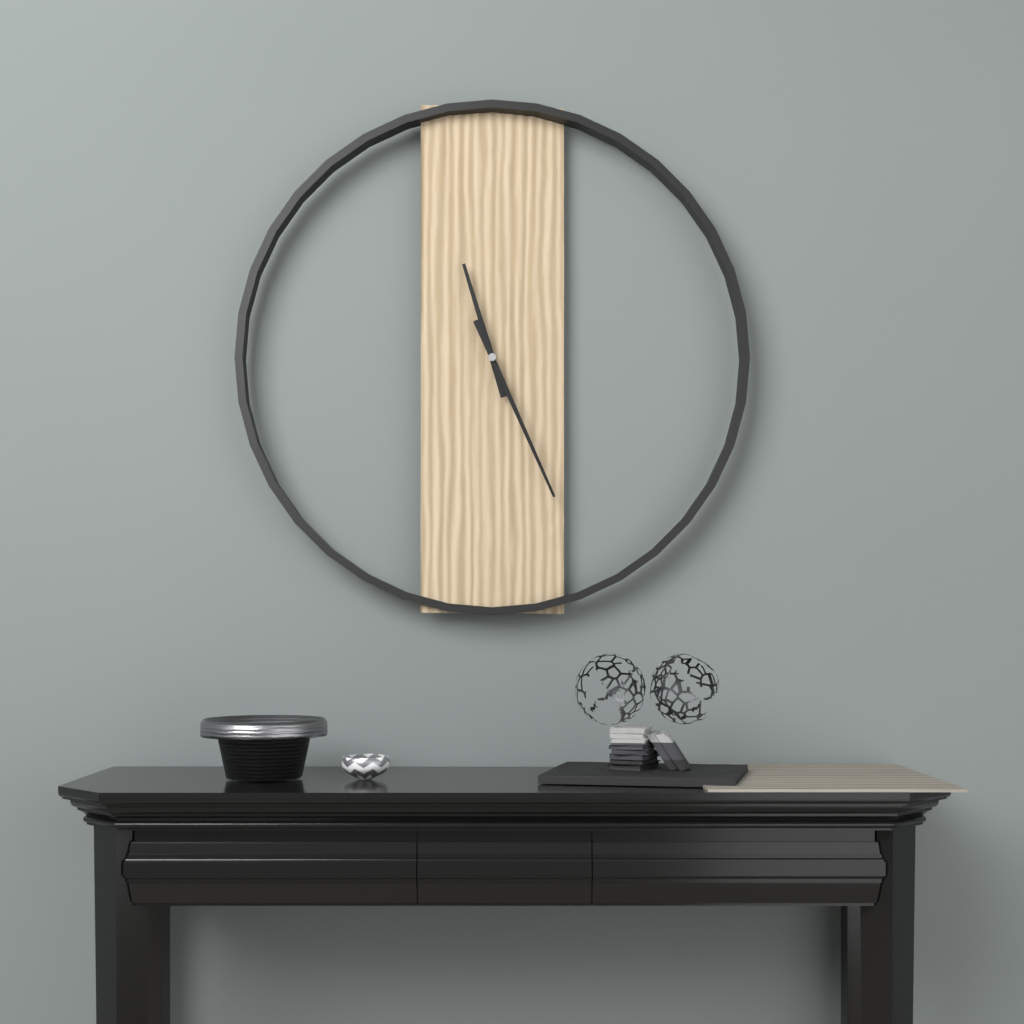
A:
11 h 26 min
